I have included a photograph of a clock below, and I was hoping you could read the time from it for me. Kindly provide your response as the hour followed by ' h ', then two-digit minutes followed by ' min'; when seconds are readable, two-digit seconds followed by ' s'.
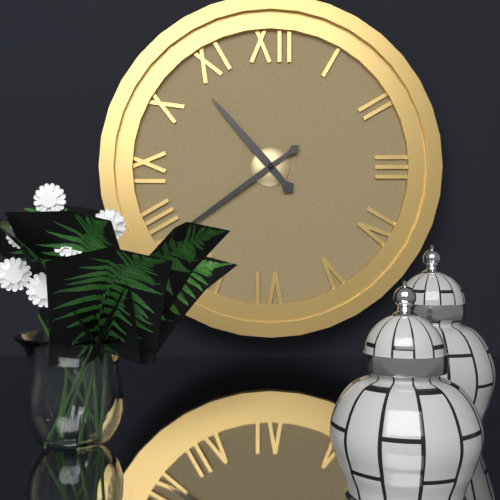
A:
10 h 39 min
